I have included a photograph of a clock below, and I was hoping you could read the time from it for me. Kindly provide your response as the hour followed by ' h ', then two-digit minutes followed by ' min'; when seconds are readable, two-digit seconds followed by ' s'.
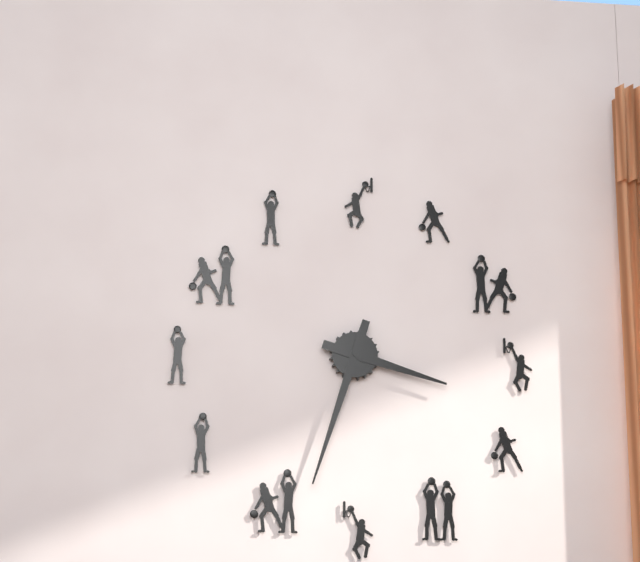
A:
3 h 33 min
